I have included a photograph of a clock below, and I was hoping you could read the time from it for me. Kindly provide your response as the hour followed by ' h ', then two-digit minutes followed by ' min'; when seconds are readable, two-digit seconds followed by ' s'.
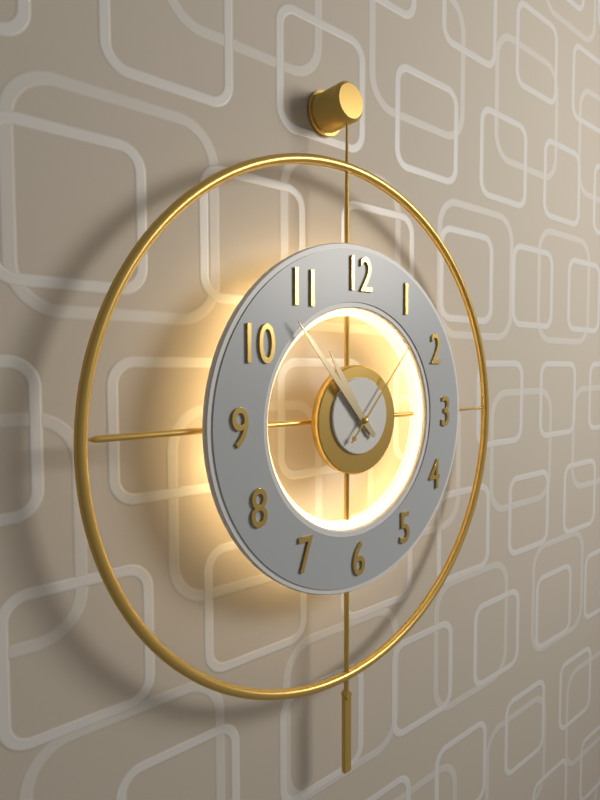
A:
10 h 53 min 07 s
